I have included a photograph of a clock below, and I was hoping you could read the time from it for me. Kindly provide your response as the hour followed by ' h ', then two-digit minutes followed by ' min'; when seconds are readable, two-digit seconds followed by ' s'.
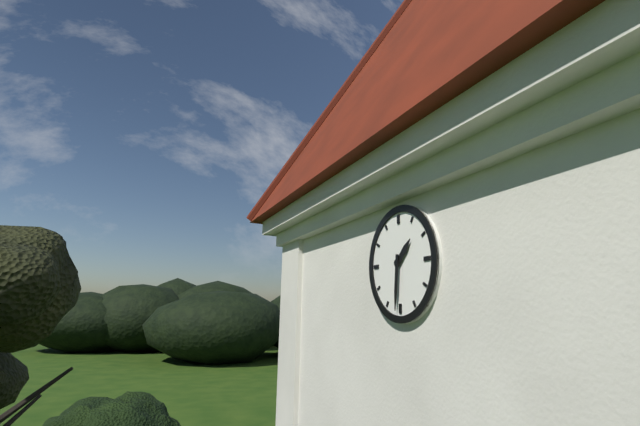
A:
1 h 31 min
